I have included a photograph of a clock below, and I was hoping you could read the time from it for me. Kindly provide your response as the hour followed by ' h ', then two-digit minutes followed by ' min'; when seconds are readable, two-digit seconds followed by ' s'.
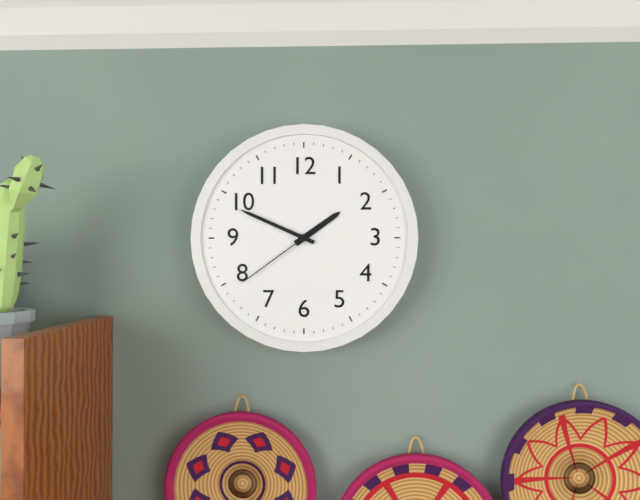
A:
1 h 49 min 39 s
